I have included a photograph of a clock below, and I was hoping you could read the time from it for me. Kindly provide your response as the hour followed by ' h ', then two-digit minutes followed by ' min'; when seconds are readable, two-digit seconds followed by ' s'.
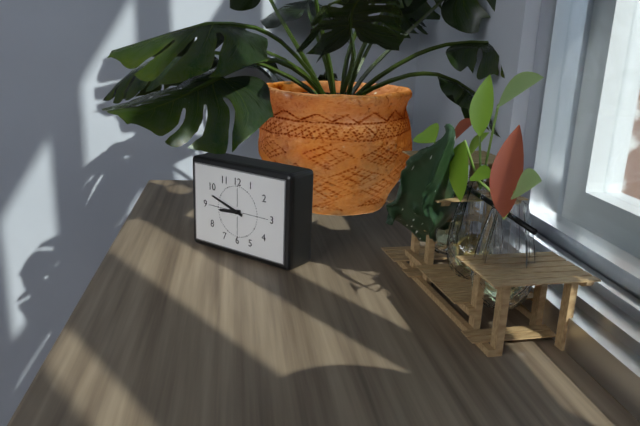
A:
8 h 48 min
